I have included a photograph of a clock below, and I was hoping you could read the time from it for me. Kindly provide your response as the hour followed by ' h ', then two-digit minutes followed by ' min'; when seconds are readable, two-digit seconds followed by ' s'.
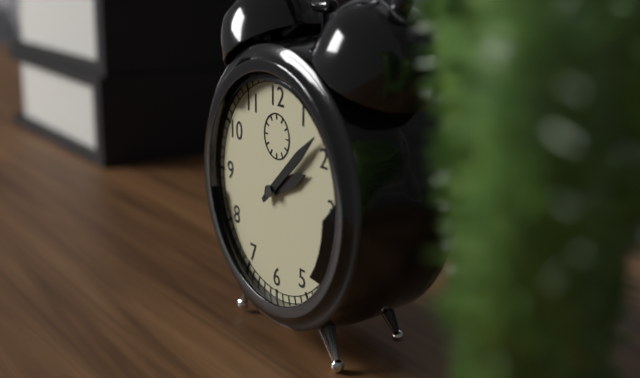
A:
2 h 08 min
